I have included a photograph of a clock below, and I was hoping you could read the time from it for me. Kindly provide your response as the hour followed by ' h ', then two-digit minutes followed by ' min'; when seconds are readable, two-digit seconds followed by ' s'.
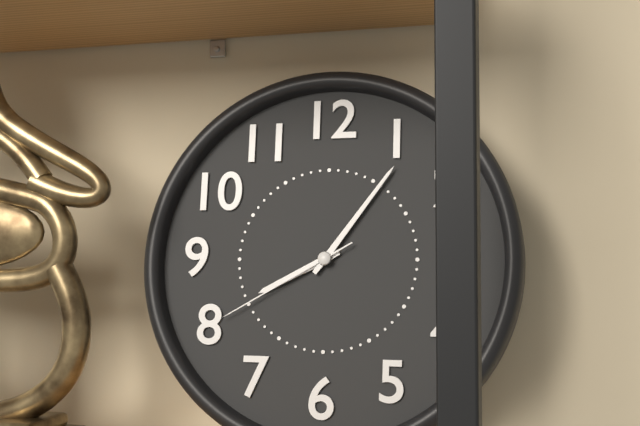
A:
8 h 06 min 40 s
